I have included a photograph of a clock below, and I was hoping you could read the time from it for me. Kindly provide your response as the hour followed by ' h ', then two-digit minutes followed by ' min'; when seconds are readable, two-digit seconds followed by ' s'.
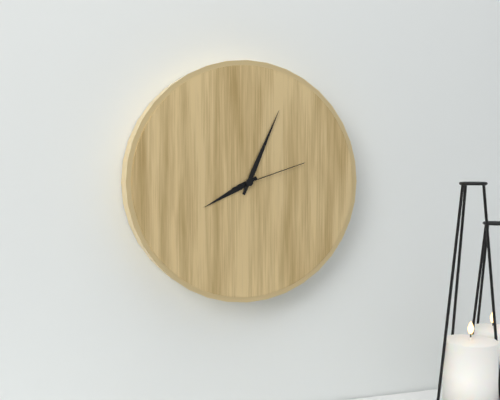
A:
8 h 04 min 12 s
